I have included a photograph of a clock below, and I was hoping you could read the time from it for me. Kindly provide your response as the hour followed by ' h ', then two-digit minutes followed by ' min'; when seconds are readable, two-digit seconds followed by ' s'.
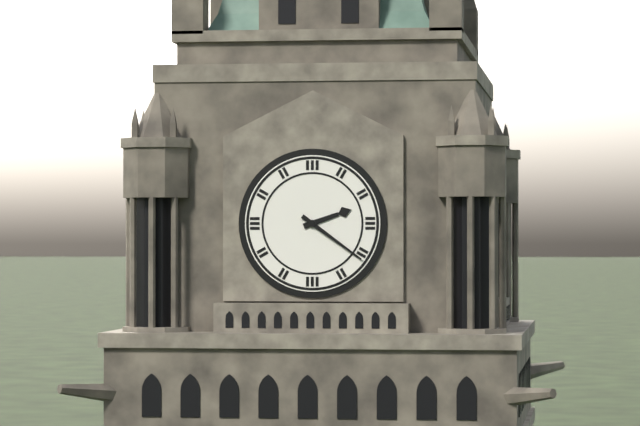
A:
2 h 21 min
